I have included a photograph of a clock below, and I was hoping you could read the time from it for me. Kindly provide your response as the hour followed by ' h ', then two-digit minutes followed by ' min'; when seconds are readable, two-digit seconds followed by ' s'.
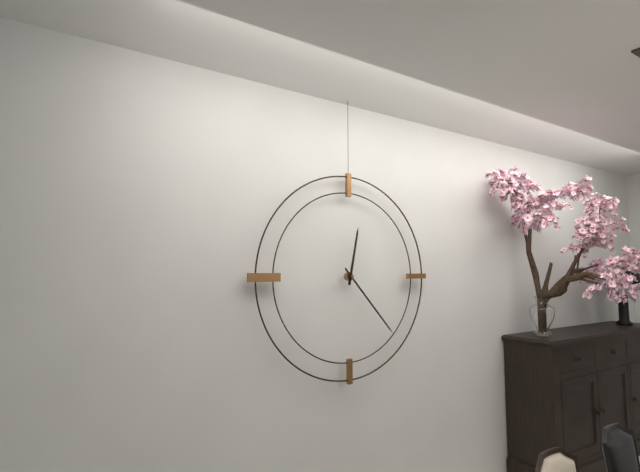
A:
12 h 23 min
